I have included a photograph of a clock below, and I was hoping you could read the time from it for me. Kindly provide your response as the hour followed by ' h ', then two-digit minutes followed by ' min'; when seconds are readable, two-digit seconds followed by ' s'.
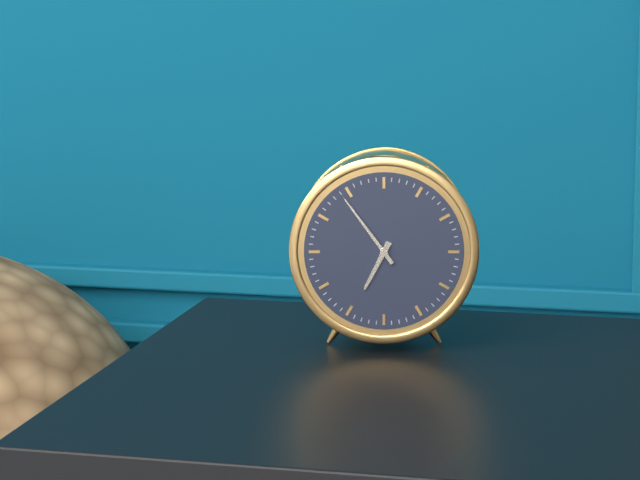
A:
6 h 54 min
